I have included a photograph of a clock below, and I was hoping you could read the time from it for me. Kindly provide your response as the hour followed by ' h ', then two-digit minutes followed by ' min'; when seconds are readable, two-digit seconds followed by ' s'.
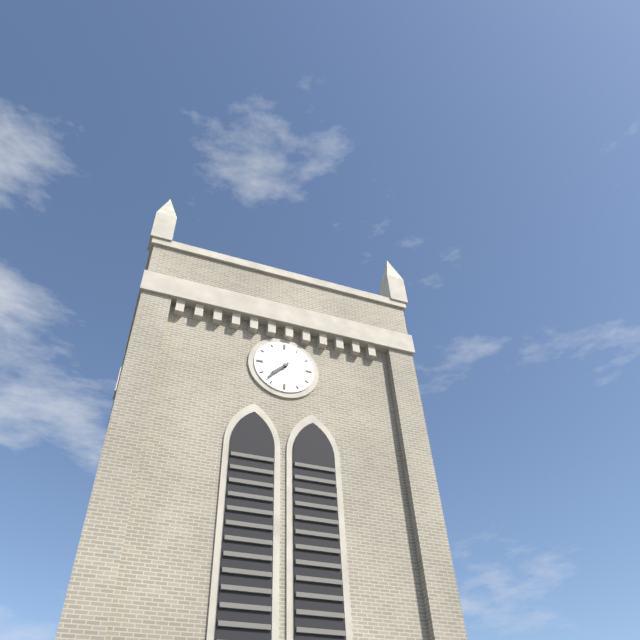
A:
7 h 37 min
